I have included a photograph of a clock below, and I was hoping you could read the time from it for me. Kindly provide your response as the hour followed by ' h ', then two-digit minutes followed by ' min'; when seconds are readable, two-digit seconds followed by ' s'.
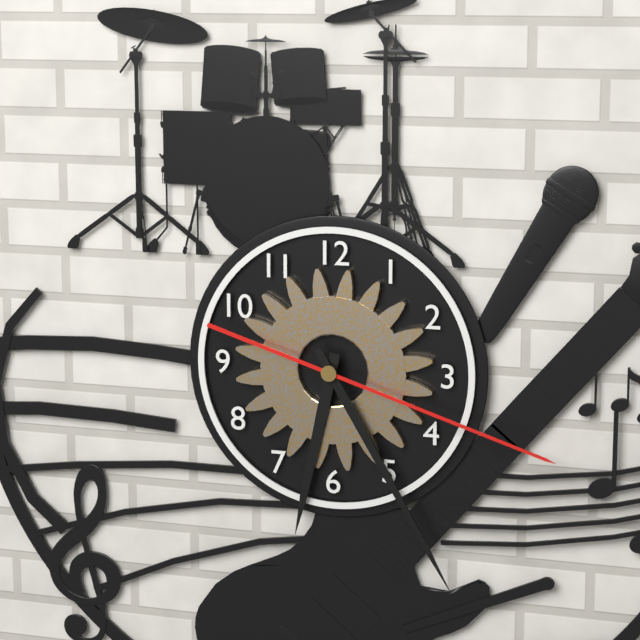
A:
6 h 25 min 18 s
